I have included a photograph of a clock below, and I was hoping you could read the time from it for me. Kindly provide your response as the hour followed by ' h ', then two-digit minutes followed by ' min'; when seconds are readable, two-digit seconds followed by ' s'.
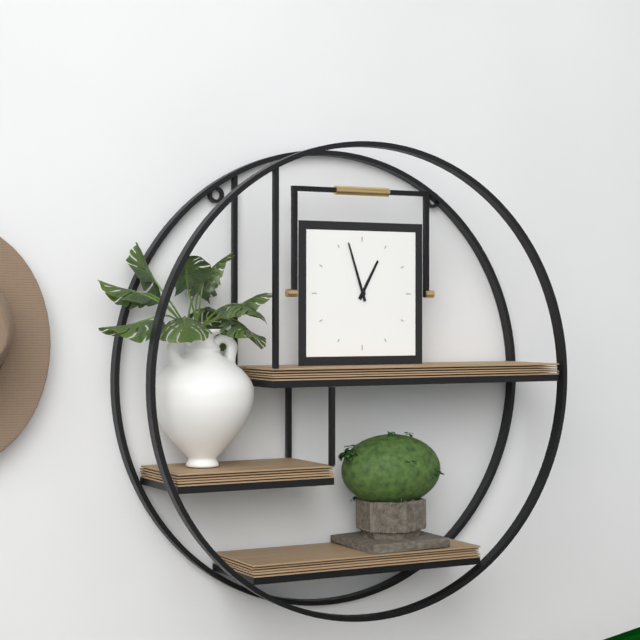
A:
12 h 57 min
